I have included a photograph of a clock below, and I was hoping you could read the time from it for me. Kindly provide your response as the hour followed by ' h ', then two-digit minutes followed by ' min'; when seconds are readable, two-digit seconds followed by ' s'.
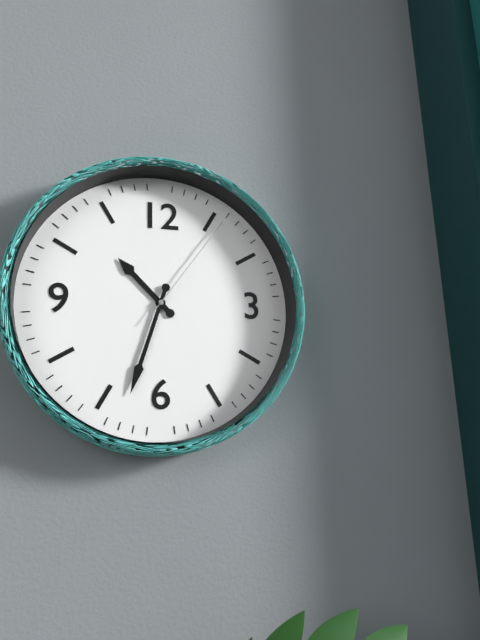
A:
10 h 33 min 06 s
